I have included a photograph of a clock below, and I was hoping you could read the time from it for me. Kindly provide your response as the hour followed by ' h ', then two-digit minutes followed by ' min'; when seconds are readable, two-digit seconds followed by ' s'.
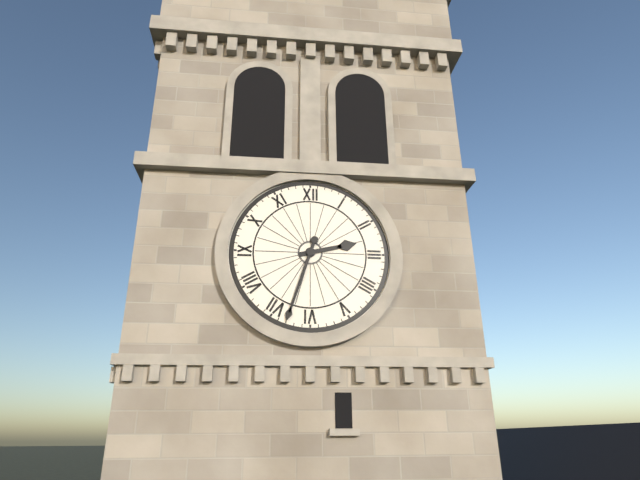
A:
2 h 33 min
